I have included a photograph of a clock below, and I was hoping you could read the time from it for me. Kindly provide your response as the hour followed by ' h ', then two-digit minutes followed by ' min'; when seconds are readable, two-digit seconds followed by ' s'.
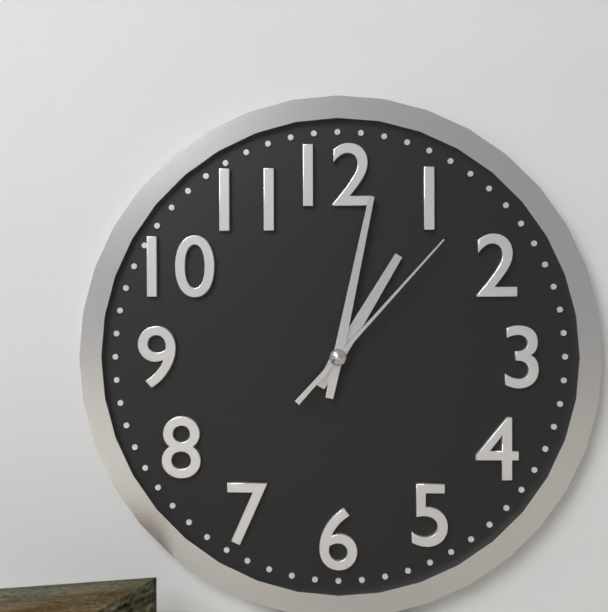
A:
1 h 02 min 07 s
